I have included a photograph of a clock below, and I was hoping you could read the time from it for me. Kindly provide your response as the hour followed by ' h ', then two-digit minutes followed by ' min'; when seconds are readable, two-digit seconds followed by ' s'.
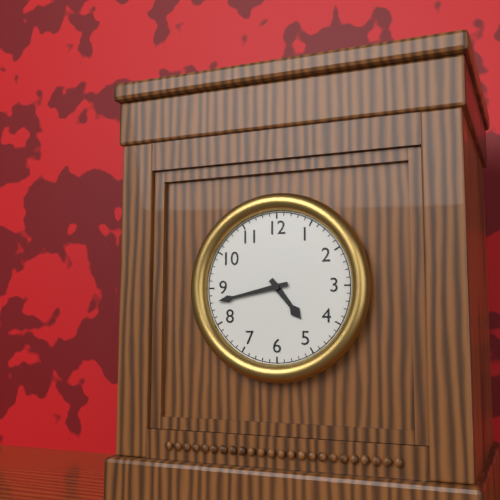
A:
4 h 43 min
